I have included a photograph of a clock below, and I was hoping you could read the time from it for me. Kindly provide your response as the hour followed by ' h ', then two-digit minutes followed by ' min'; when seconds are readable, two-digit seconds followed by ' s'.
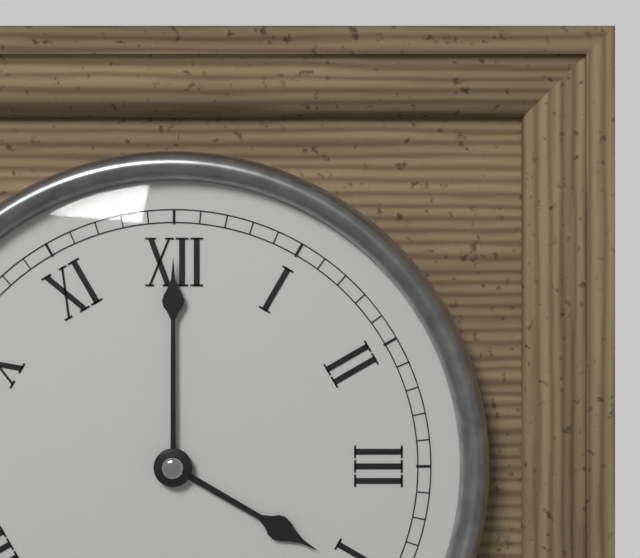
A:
4 h 00 min
